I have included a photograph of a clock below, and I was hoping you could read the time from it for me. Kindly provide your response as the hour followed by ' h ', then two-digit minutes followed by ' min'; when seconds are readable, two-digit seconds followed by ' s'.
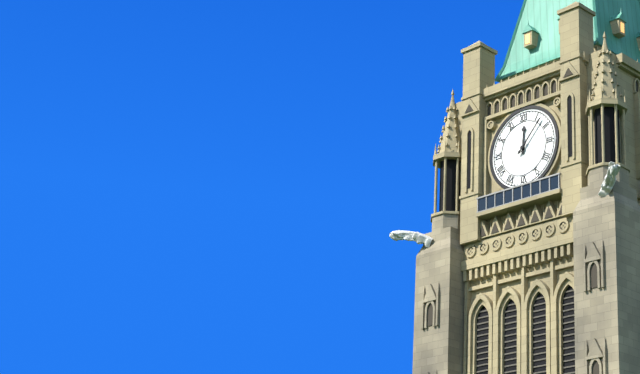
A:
12 h 07 min
